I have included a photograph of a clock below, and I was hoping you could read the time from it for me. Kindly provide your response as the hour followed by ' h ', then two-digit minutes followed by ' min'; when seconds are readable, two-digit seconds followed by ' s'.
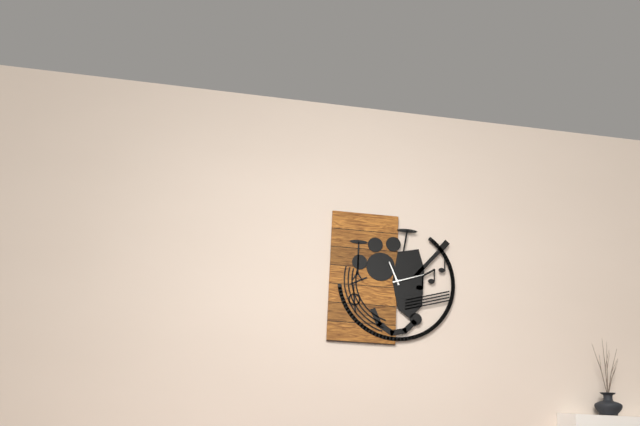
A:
11 h 12 min
